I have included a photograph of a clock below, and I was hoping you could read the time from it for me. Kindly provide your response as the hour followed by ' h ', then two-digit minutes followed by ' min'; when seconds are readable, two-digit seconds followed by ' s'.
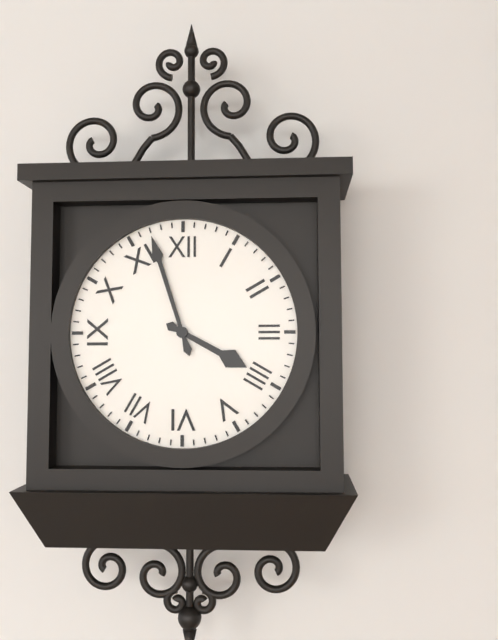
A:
3 h 57 min
